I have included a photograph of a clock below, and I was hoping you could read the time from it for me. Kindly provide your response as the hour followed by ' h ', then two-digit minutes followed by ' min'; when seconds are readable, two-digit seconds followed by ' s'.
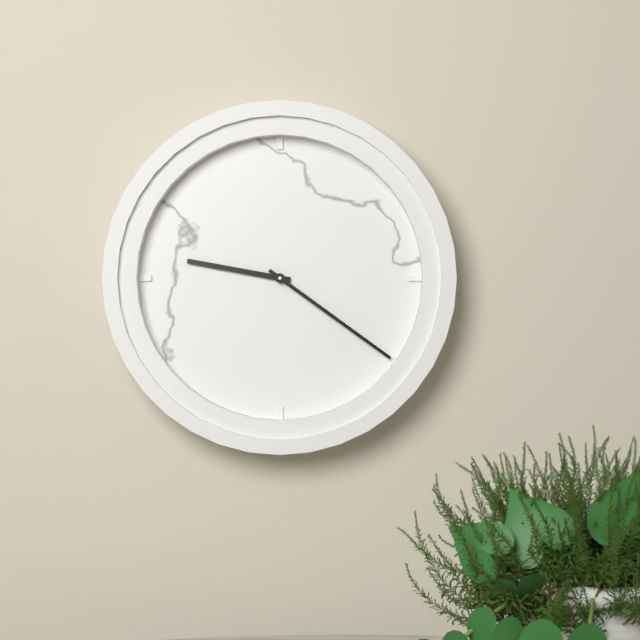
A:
9 h 21 min
